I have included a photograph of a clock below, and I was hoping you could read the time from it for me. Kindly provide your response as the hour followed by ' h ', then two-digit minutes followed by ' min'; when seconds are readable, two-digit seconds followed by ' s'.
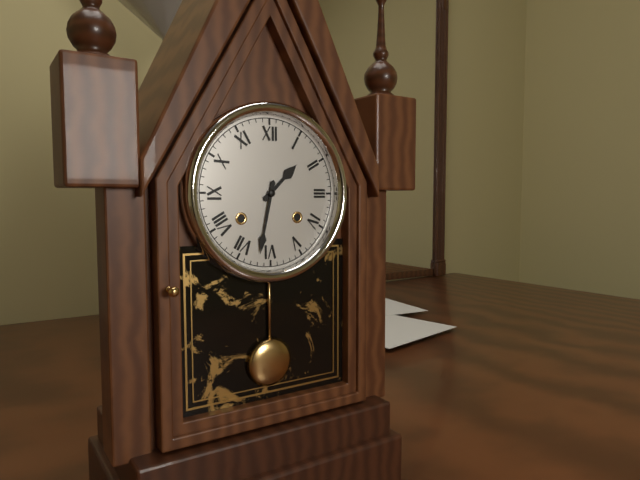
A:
1 h 32 min
